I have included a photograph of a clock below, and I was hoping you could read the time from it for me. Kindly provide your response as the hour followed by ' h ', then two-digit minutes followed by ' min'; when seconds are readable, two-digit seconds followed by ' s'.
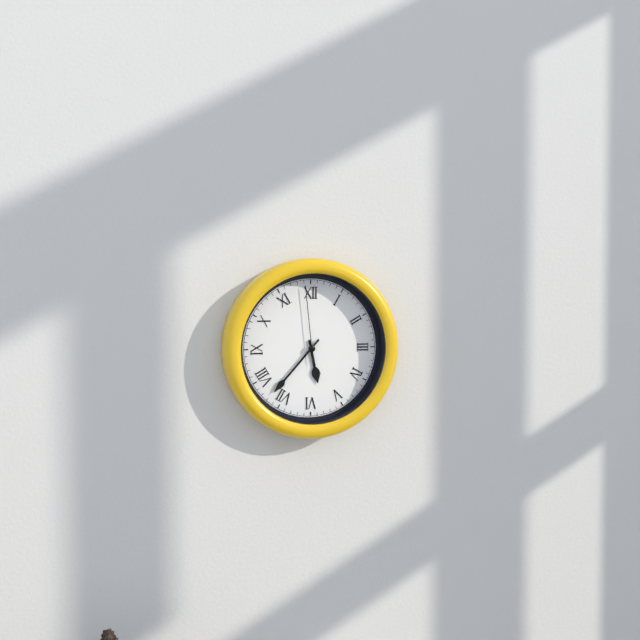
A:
5 h 37 min 59 s
